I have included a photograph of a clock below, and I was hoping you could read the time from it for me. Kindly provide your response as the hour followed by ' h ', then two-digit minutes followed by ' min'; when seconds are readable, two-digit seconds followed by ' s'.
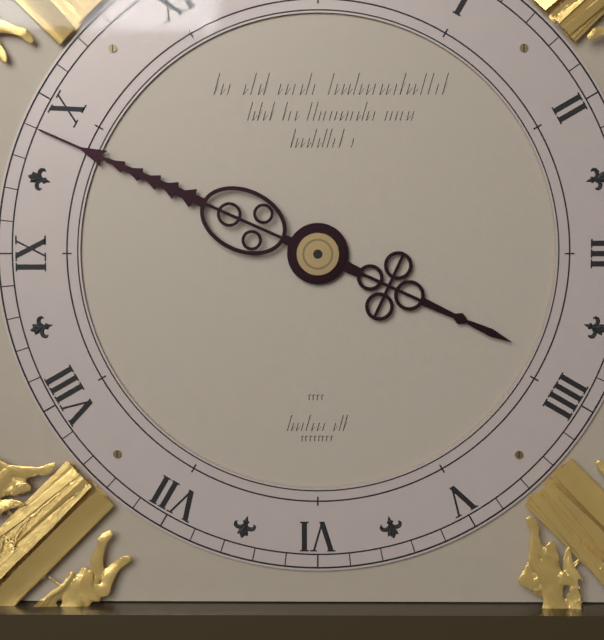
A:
3 h 49 min
